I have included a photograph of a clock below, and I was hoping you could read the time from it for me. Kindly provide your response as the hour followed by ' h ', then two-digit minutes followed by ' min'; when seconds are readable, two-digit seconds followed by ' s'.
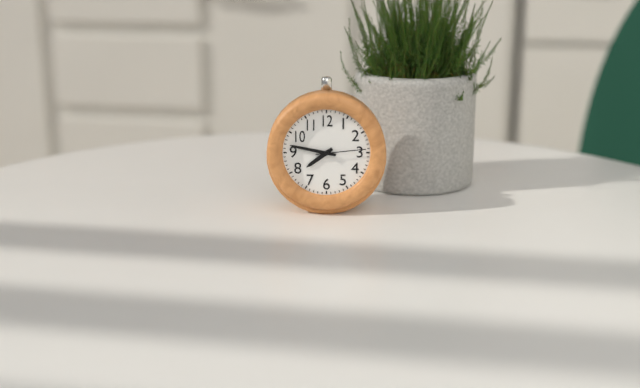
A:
7 h 47 min
